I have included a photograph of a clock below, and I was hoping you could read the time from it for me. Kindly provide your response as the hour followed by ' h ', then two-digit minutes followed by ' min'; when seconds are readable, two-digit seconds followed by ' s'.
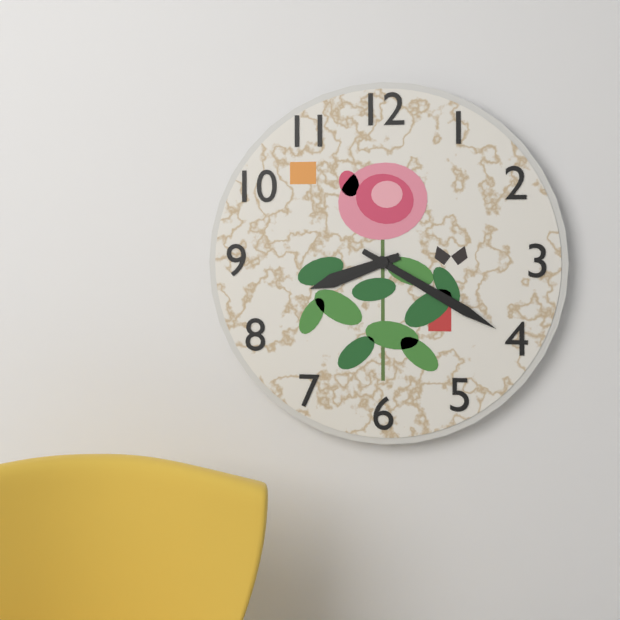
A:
8 h 20 min
